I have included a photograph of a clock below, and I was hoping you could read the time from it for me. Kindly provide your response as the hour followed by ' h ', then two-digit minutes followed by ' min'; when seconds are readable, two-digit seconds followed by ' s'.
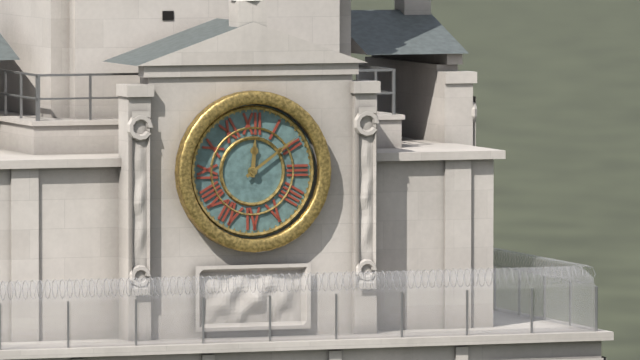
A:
12 h 09 min
